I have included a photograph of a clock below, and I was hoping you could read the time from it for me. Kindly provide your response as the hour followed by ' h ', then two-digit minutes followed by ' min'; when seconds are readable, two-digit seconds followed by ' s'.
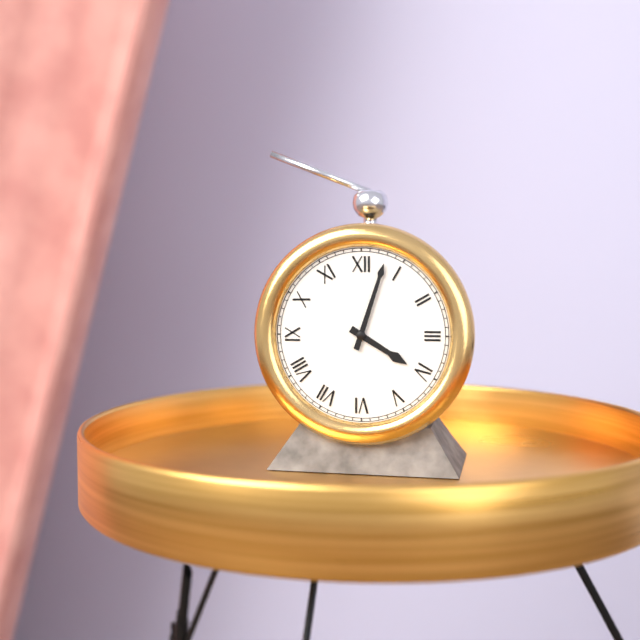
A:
4 h 03 min
